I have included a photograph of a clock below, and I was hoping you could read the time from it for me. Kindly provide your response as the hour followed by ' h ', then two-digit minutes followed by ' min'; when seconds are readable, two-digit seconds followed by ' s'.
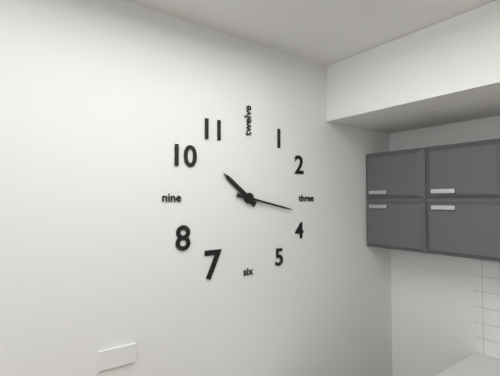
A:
10 h 17 min
